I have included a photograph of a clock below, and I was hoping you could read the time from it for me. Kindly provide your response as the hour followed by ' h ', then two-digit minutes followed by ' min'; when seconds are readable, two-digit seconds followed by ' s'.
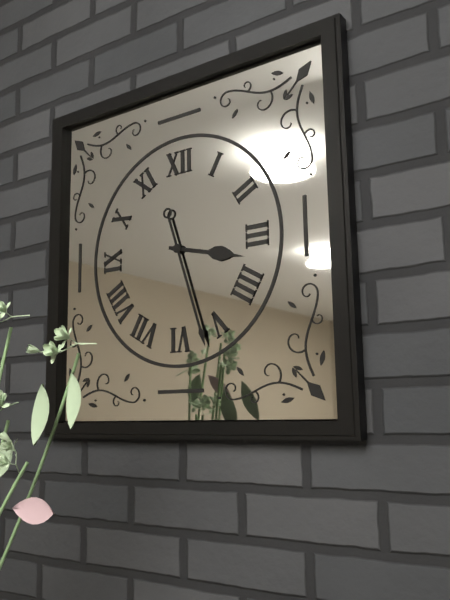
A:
3 h 27 min
